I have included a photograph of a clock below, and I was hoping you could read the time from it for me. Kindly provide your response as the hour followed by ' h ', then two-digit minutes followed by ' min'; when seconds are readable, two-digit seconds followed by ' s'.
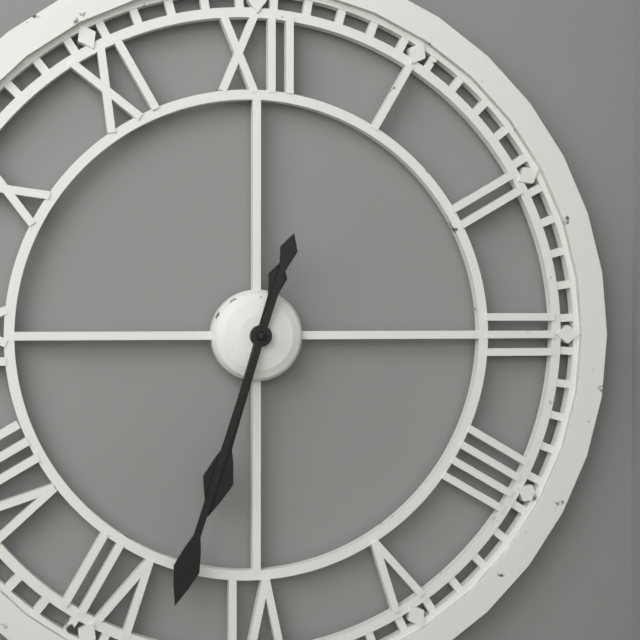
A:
6 h 33 min
